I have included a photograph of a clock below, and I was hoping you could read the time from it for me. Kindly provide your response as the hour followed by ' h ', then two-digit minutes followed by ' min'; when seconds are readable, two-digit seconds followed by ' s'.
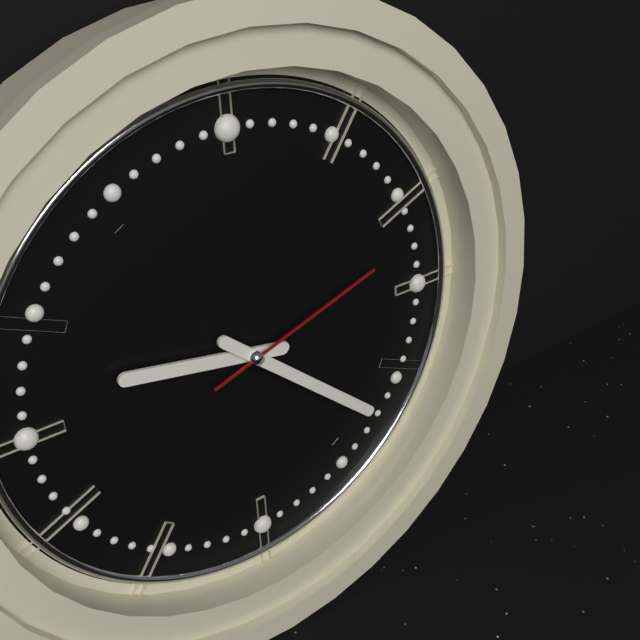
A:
9 h 22 min 12 s
